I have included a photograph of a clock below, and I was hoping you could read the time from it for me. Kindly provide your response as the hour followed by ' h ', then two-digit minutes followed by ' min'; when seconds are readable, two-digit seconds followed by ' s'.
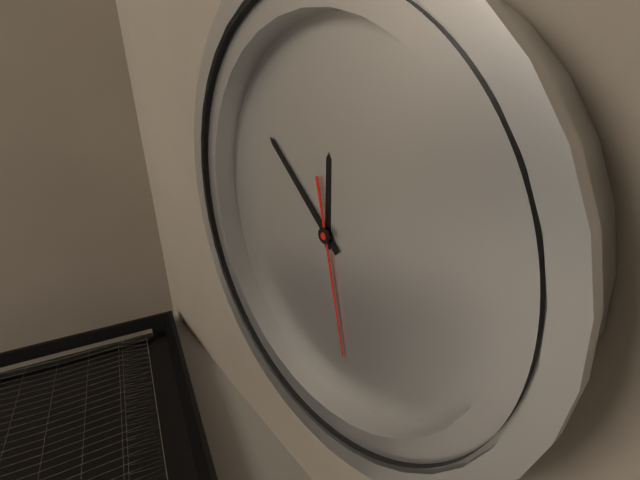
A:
11 h 51 min 27 s
